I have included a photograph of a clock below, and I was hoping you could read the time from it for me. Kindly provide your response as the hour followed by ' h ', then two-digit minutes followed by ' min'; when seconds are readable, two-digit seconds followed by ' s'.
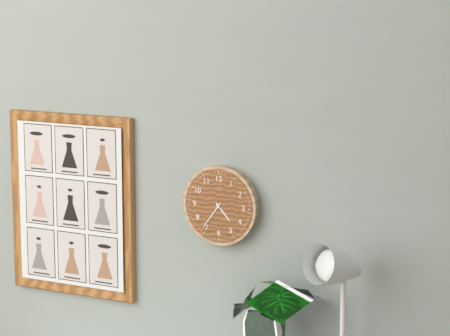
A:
4 h 36 min
